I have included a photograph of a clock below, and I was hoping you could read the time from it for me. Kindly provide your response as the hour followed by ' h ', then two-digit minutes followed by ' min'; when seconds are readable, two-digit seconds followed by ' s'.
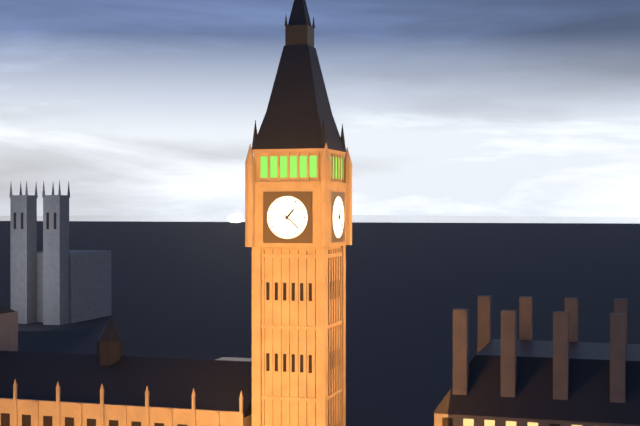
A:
1 h 22 min
